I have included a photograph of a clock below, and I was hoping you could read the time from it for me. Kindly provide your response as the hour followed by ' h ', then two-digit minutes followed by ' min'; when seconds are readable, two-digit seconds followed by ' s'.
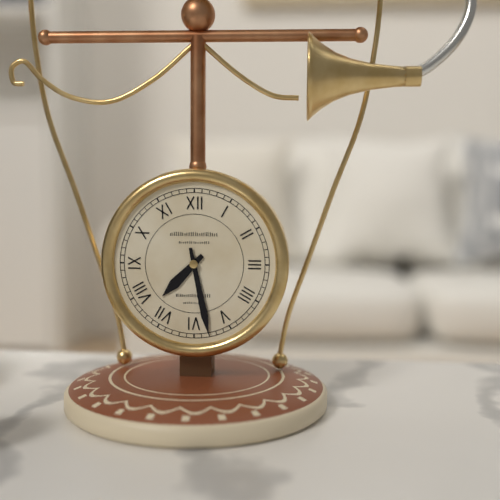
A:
7 h 28 min
